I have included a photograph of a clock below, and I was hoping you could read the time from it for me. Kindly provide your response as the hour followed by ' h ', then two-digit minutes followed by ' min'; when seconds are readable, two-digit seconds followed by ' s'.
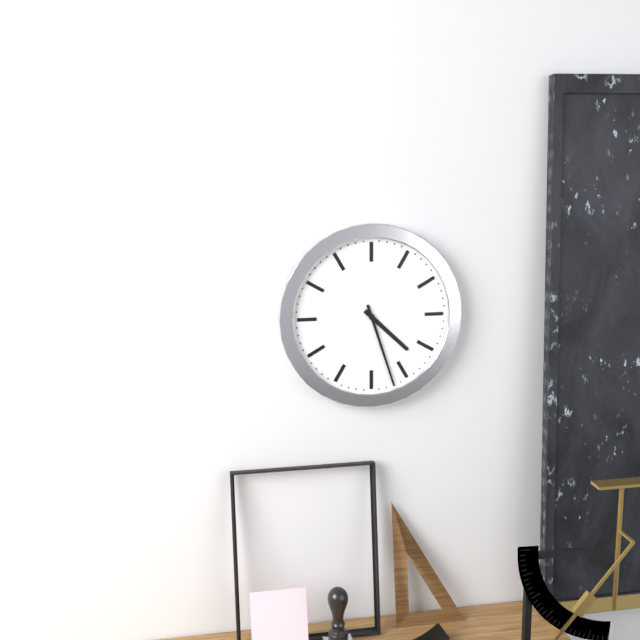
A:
4 h 27 min
